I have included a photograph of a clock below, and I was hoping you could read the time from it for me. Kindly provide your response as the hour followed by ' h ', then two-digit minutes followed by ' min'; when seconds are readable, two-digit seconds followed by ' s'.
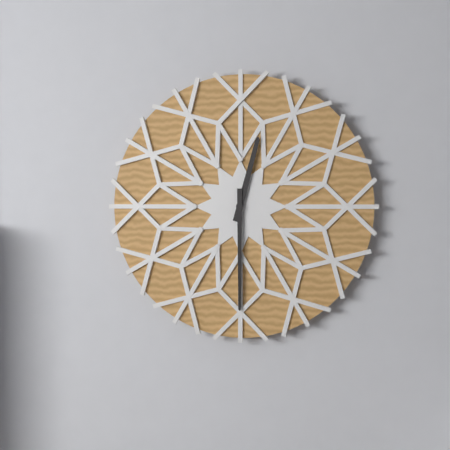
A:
12 h 30 min
